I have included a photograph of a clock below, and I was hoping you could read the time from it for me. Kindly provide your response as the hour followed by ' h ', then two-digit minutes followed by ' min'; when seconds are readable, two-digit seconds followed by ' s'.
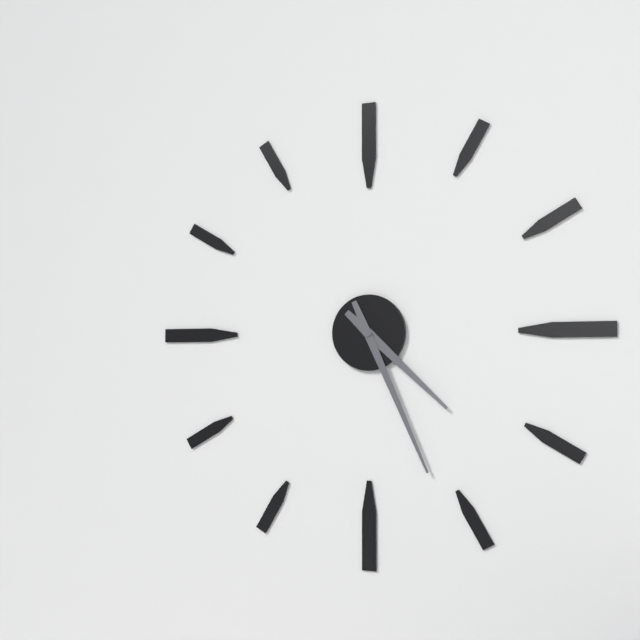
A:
4 h 26 min
